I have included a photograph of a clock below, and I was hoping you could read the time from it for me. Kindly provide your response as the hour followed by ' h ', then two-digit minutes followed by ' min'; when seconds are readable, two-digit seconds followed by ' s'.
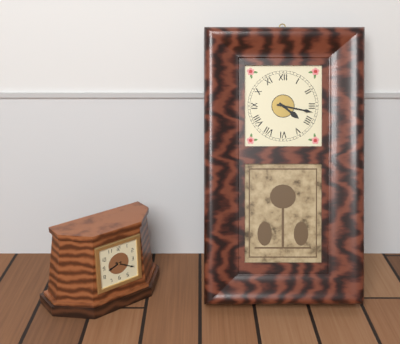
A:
4 h 17 min
